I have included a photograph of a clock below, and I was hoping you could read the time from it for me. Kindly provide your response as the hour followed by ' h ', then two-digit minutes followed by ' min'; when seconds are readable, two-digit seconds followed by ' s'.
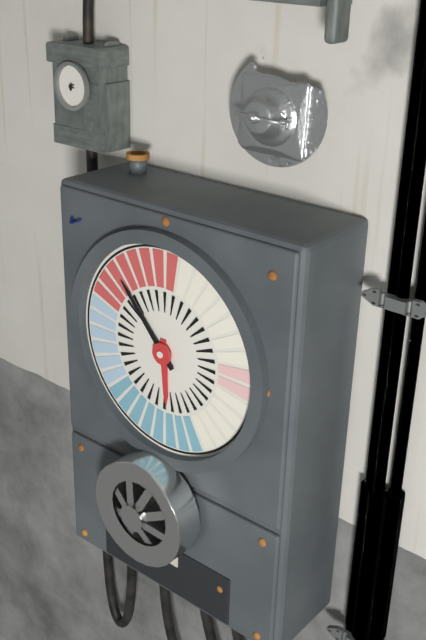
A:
5 h 53 min
